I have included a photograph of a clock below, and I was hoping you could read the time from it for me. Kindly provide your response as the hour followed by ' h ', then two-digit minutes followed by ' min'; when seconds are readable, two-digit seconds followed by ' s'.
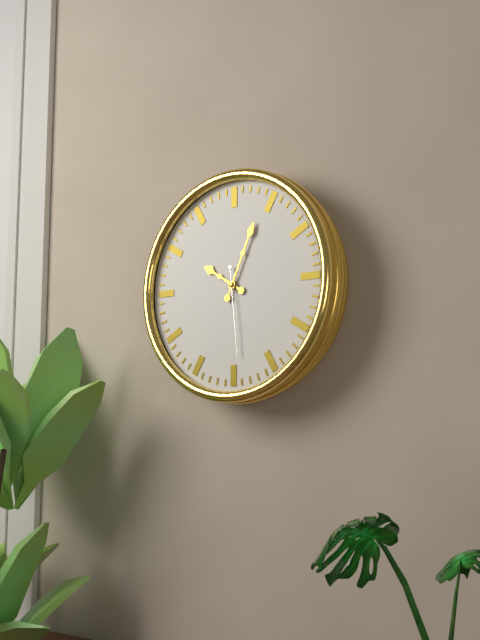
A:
10 h 04 min 29 s
